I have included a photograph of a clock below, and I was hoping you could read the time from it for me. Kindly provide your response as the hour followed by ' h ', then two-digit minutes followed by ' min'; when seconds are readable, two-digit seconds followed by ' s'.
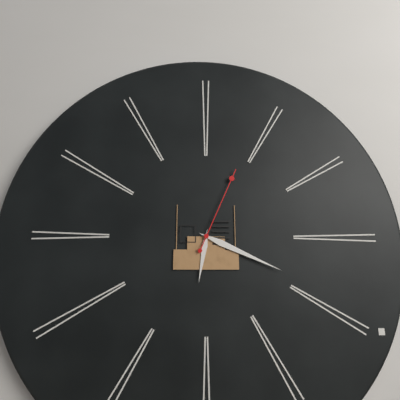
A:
6 h 19 min 04 s
